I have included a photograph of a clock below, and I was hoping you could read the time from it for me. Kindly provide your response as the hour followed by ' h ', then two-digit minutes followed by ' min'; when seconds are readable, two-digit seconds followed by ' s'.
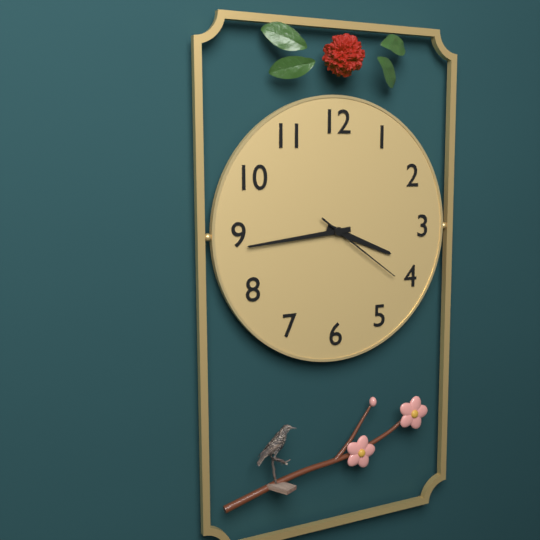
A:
3 h 44 min 21 s
